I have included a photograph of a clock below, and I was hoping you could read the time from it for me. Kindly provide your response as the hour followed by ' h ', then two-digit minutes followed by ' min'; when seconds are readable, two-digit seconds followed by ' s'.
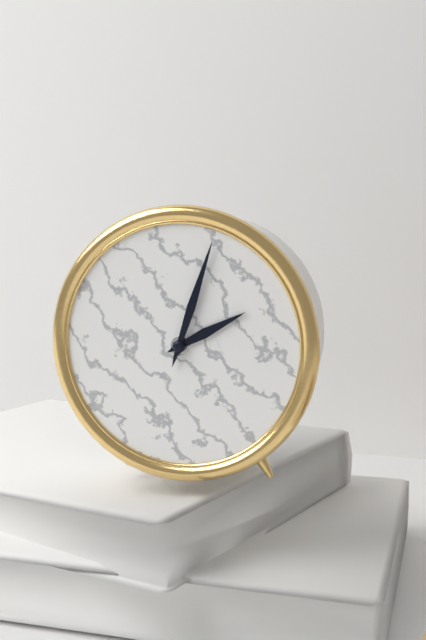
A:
2 h 03 min
